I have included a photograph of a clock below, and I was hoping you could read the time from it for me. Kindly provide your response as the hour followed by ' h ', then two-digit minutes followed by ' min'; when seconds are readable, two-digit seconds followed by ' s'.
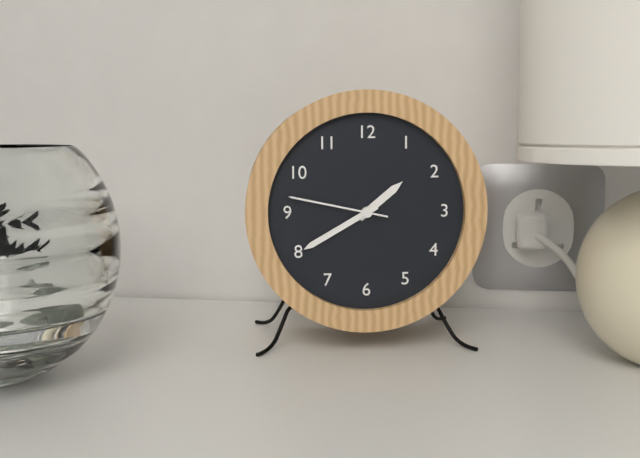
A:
1 h 40 min 47 s
